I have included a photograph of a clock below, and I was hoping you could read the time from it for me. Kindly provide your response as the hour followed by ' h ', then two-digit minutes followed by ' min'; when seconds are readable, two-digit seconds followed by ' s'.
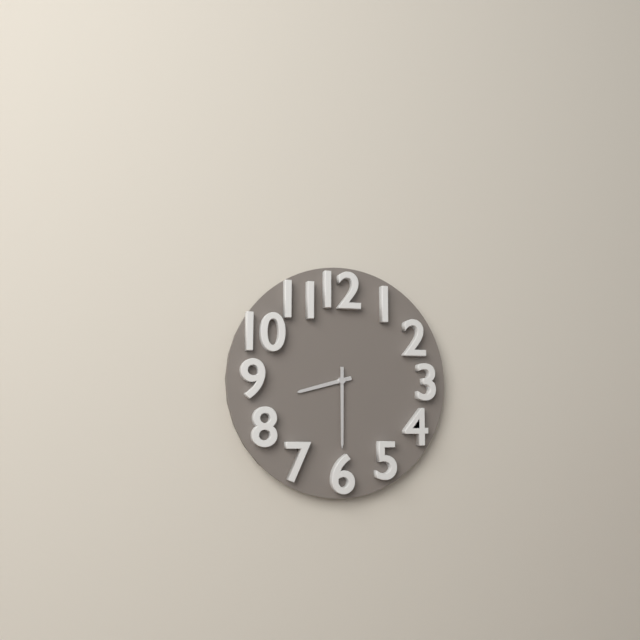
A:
8 h 30 min
